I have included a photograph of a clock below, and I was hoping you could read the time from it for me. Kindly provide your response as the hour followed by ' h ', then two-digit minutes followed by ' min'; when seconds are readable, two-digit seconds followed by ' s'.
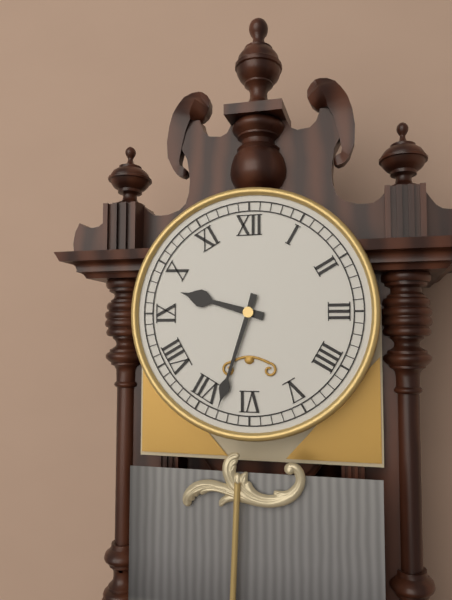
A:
9 h 33 min
